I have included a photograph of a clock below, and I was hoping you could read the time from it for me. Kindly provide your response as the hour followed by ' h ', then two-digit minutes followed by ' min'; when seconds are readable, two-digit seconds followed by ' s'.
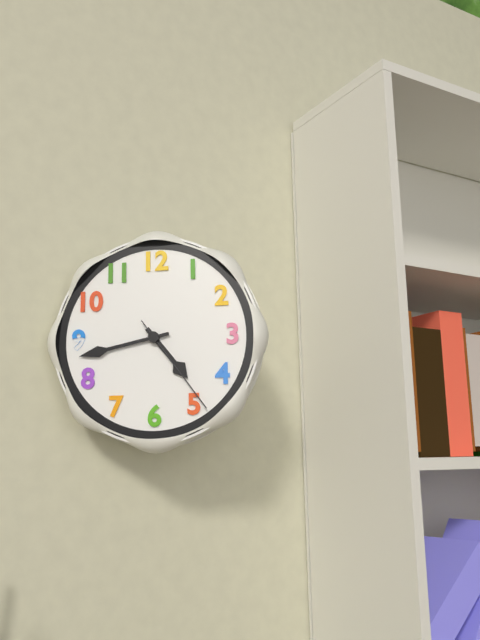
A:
4 h 43 min 24 s
